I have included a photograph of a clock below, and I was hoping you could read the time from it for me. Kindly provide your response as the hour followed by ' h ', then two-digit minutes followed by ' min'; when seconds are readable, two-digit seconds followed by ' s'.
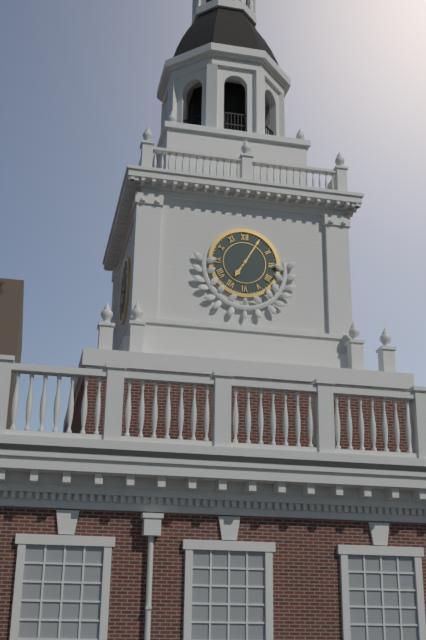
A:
7 h 05 min
